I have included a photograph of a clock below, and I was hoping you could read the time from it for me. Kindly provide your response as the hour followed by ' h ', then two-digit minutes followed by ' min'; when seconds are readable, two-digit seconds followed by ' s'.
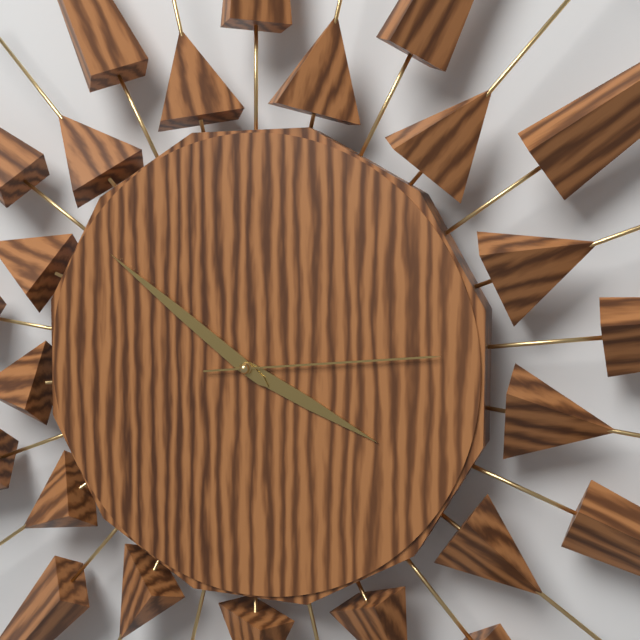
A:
3 h 51 min 14 s
